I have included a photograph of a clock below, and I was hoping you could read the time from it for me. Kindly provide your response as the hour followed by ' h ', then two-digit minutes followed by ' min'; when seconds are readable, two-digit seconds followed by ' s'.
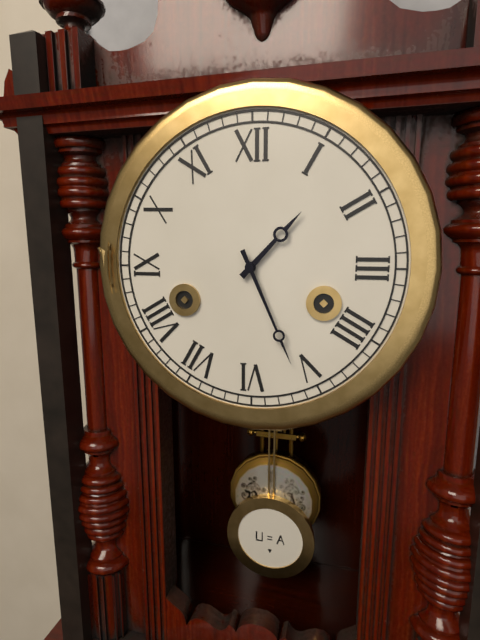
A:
1 h 26 min
